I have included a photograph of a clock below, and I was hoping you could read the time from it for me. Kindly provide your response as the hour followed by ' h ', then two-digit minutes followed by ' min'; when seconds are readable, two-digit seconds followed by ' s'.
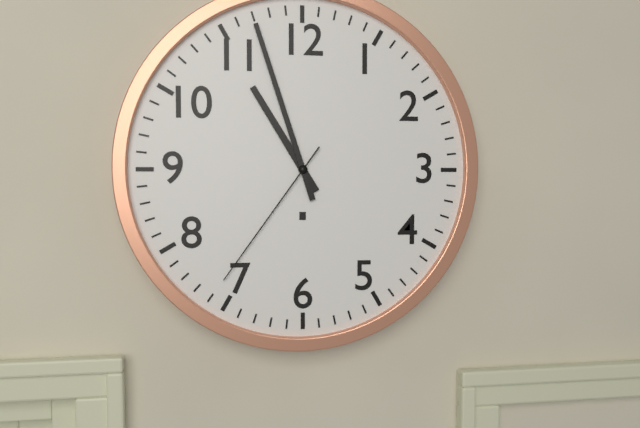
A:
10 h 57 min 36 s
